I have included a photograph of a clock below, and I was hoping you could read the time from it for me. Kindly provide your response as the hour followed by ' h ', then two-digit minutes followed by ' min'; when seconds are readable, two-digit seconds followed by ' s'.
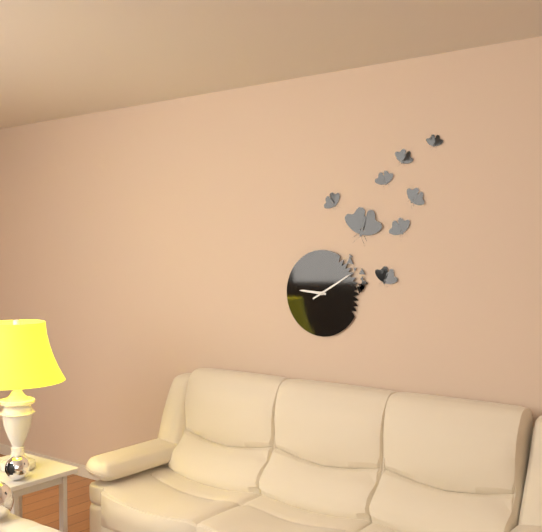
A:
9 h 10 min
